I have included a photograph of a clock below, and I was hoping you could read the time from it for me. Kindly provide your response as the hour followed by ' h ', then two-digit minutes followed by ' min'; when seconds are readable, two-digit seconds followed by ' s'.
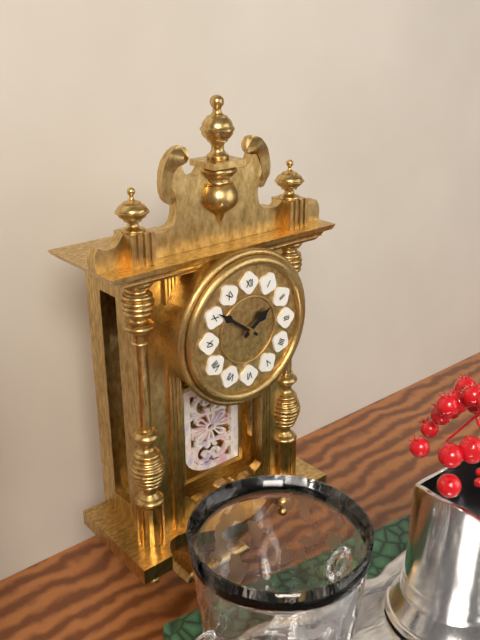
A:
1 h 51 min
